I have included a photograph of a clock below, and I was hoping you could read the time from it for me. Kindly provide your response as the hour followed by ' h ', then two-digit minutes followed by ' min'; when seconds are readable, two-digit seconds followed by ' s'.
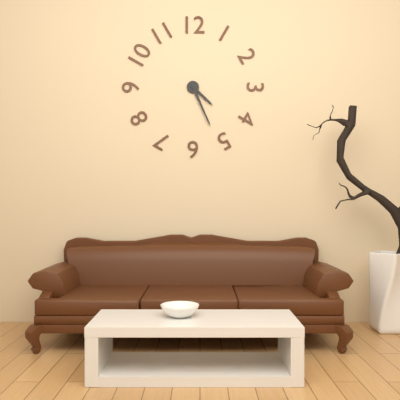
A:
4 h 26 min
